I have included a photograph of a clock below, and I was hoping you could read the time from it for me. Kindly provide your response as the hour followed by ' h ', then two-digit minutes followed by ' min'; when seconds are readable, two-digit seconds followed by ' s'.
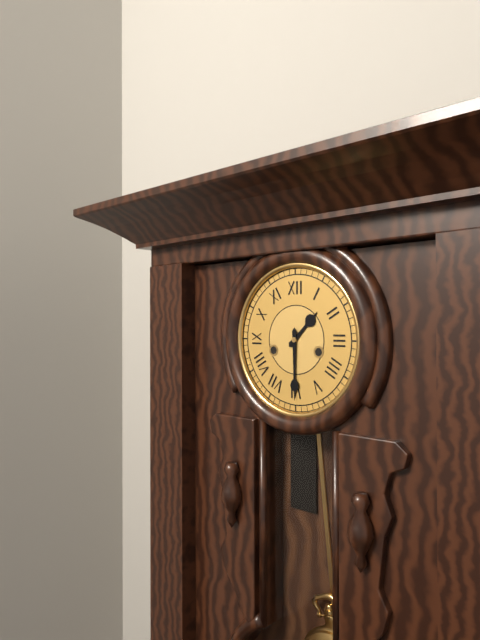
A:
1 h 30 min
